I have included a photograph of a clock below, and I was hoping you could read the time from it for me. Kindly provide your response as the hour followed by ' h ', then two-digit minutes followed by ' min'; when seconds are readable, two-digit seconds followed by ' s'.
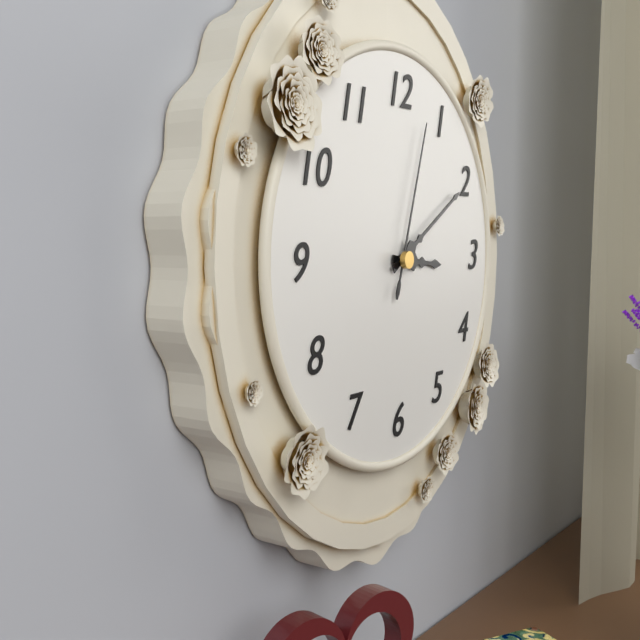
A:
3 h 10 min 03 s
